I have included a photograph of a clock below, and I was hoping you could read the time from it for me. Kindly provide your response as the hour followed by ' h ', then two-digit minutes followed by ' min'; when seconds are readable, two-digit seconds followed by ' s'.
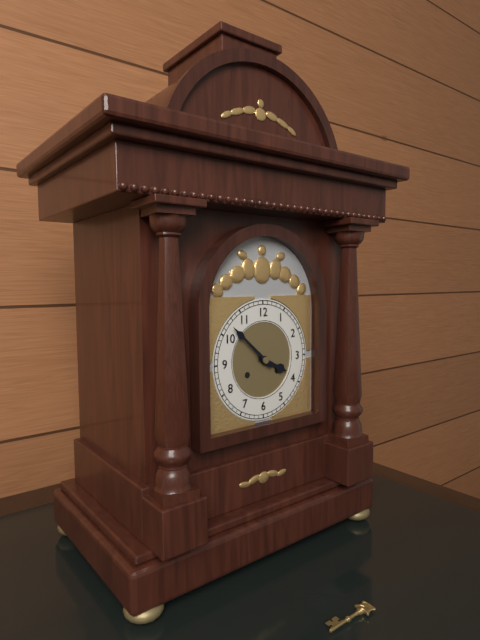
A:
3 h 52 min
